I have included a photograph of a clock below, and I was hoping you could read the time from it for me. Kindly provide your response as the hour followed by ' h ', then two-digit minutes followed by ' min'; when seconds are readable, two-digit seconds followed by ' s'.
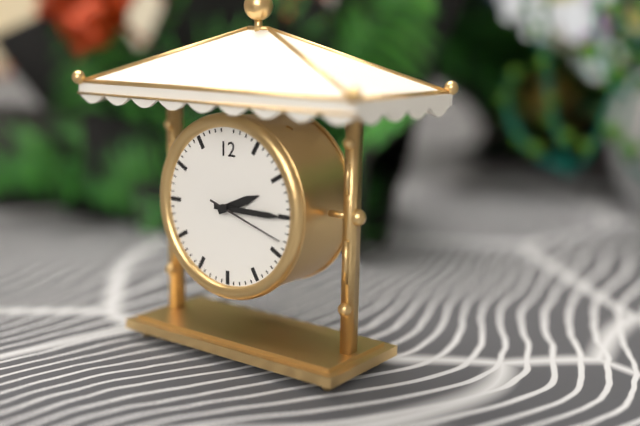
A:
2 h 15 min 18 s
